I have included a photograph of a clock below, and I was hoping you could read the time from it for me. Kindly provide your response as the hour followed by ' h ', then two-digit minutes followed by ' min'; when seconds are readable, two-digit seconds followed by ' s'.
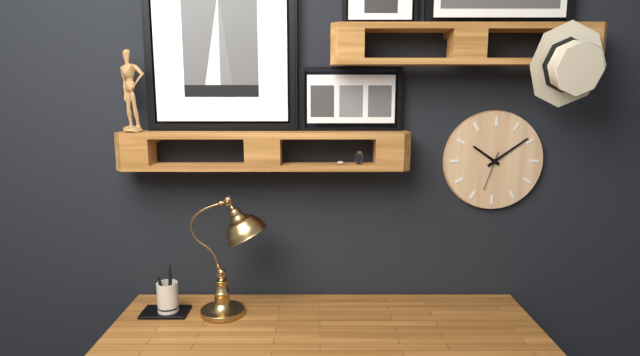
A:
10 h 09 min
